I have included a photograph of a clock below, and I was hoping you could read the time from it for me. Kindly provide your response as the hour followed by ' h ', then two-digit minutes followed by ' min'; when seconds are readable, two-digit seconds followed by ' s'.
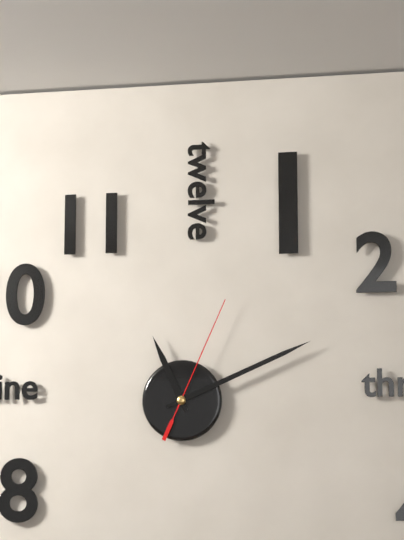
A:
11 h 11 min 04 s
